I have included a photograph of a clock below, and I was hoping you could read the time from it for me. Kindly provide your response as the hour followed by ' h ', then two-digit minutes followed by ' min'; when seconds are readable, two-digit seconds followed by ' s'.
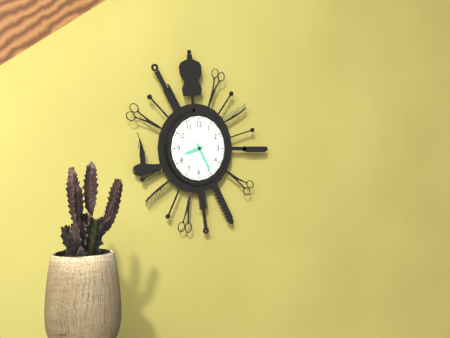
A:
8 h 25 min
